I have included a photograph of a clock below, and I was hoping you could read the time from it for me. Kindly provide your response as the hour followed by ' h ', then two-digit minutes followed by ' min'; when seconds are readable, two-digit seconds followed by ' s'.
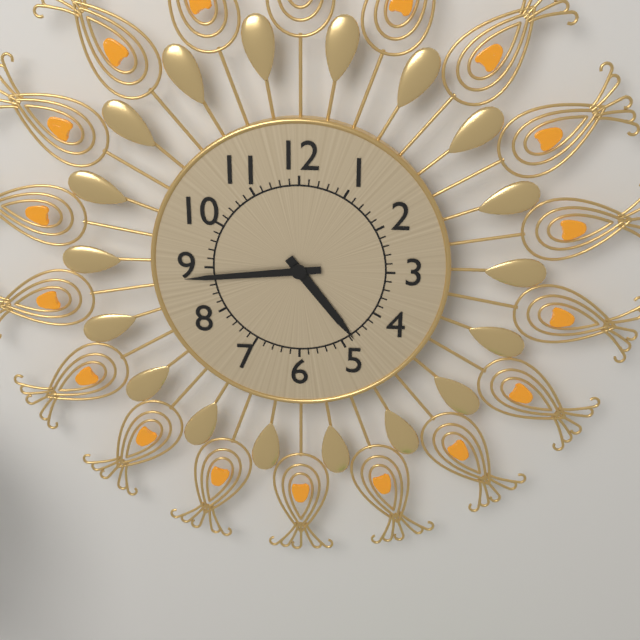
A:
4 h 44 min
